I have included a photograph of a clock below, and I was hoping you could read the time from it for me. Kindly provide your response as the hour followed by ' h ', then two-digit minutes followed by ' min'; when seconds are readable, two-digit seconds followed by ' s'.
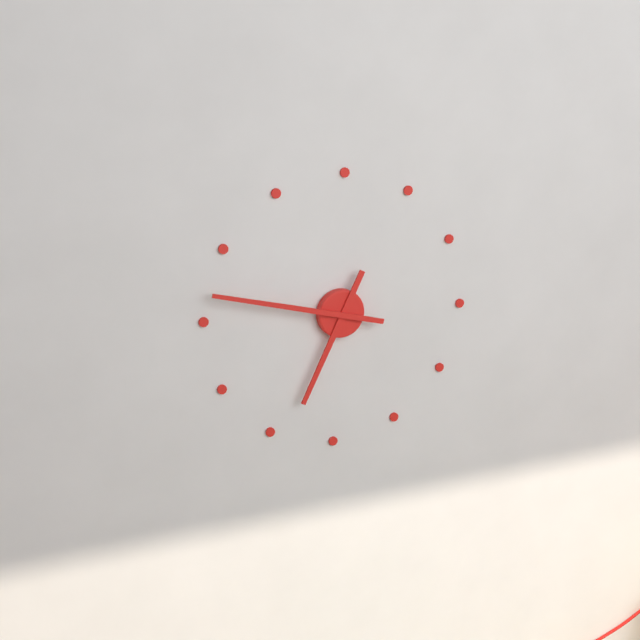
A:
6 h 47 min
